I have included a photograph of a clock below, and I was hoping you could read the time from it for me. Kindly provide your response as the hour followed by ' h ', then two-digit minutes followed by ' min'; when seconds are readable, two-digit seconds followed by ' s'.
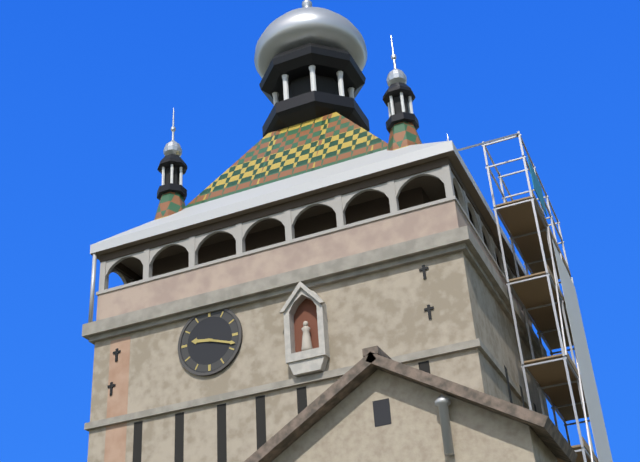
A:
9 h 18 min
